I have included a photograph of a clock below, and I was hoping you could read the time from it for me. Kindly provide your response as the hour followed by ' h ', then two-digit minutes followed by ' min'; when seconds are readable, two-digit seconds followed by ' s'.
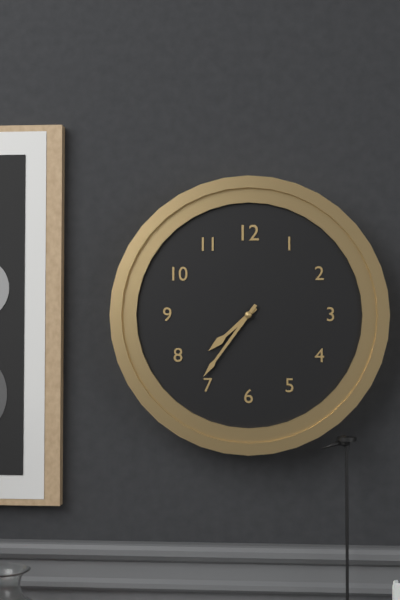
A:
7 h 36 min
